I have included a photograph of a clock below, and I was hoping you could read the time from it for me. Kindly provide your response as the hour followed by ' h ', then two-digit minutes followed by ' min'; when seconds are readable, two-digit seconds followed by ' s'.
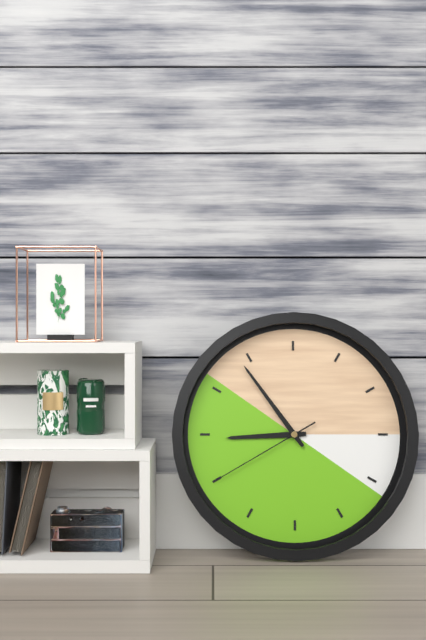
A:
8 h 54 min 40 s
